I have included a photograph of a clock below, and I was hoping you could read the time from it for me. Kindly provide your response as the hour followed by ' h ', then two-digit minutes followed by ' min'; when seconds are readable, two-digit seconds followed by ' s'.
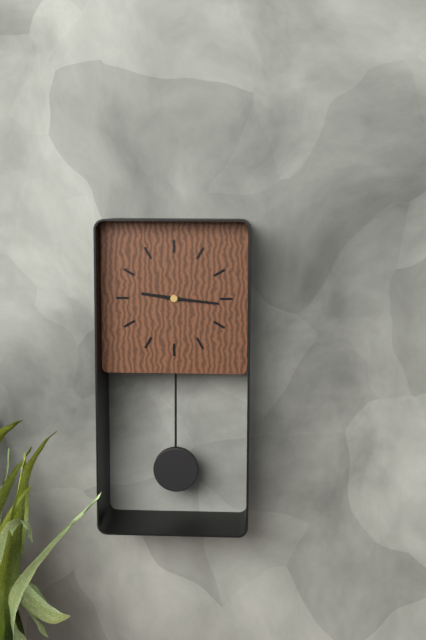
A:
9 h 16 min
